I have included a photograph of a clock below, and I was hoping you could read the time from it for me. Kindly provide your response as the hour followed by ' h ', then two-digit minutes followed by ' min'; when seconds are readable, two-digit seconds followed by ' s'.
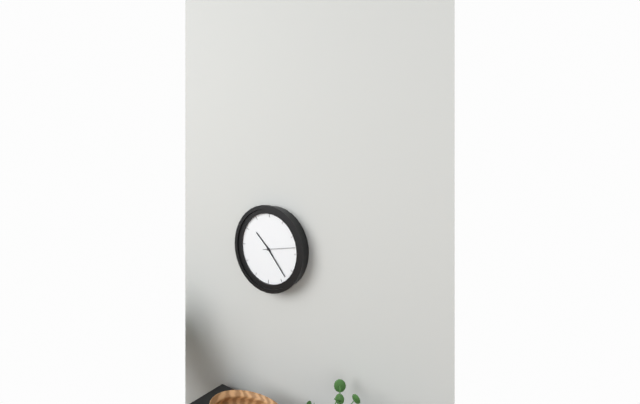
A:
10 h 23 min
